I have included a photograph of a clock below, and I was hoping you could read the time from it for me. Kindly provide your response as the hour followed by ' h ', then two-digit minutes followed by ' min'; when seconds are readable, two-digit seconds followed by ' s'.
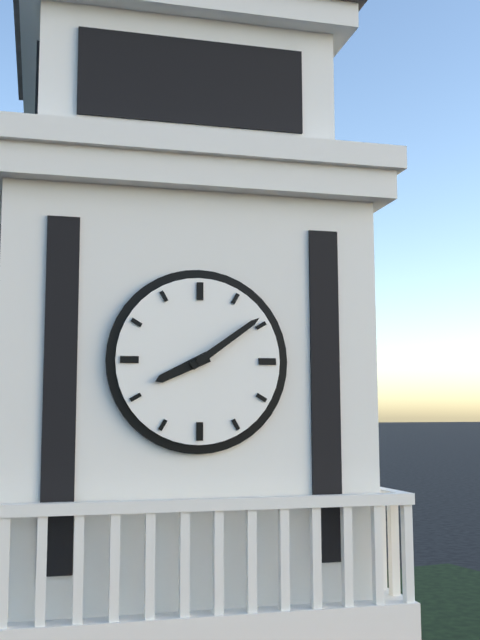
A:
8 h 09 min
